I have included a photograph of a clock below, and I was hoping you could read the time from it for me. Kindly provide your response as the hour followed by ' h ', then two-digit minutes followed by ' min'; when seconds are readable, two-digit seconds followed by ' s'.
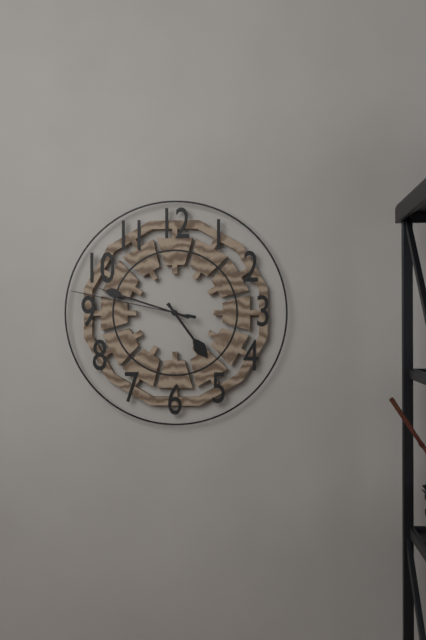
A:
4 h 48 min 47 s
